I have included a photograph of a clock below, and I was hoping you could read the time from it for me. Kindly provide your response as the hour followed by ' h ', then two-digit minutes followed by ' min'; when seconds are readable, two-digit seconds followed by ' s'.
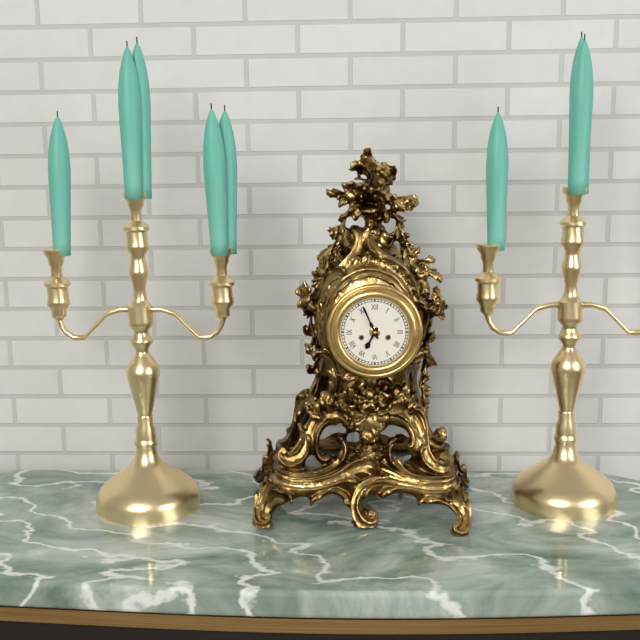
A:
6 h 56 min
